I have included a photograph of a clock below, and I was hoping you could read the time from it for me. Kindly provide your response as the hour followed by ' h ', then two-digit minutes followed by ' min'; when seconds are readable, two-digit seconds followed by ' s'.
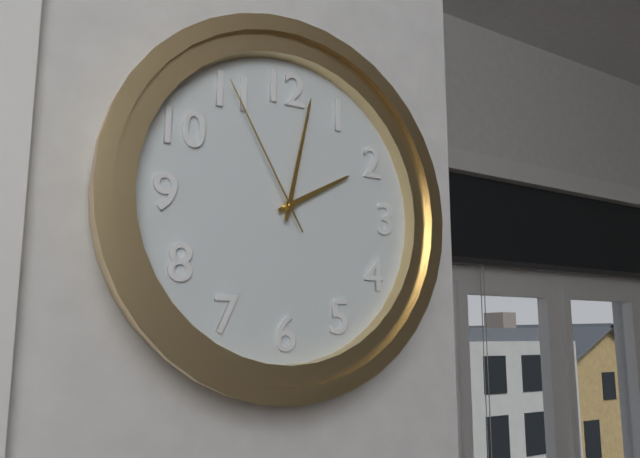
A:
2 h 02 min 55 s
